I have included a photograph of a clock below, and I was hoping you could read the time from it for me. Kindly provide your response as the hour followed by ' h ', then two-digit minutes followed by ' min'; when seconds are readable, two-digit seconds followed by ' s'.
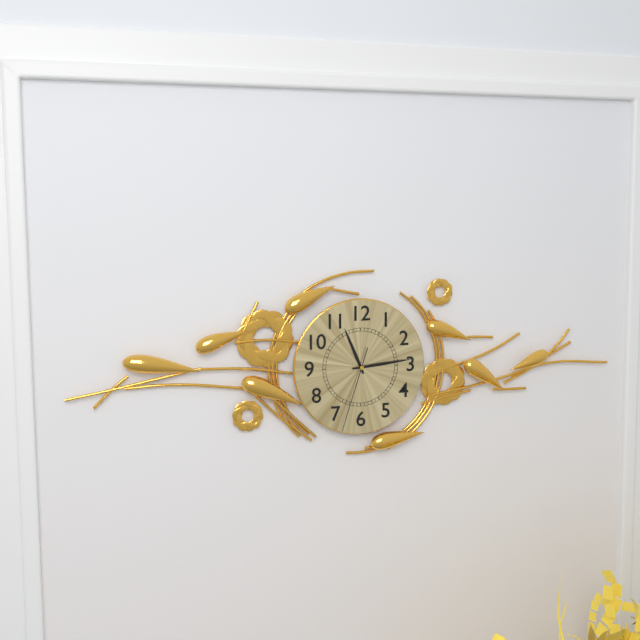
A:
11 h 14 min 33 s
